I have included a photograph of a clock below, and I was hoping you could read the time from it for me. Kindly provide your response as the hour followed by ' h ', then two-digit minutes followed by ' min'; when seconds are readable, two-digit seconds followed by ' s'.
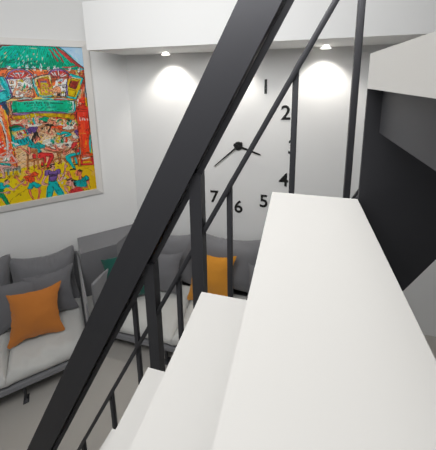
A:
3 h 38 min
